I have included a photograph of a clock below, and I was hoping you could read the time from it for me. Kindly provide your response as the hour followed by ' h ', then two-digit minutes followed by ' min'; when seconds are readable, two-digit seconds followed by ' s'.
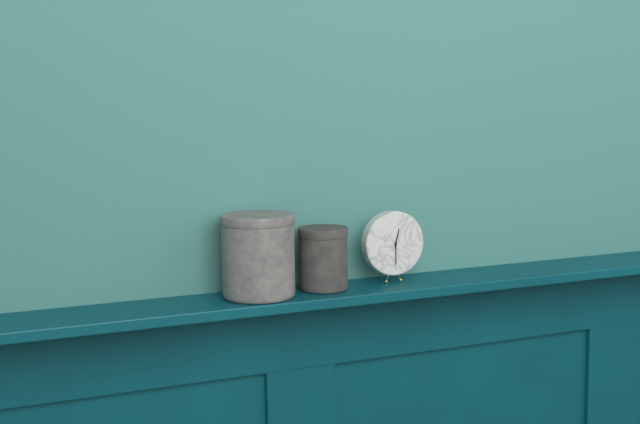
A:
12 h 30 min
